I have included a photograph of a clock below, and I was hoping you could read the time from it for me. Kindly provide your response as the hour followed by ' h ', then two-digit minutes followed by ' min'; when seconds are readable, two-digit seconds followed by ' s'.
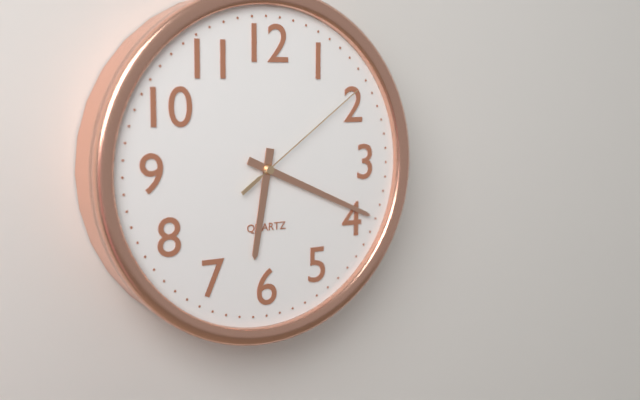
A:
6 h 19 min 09 s
